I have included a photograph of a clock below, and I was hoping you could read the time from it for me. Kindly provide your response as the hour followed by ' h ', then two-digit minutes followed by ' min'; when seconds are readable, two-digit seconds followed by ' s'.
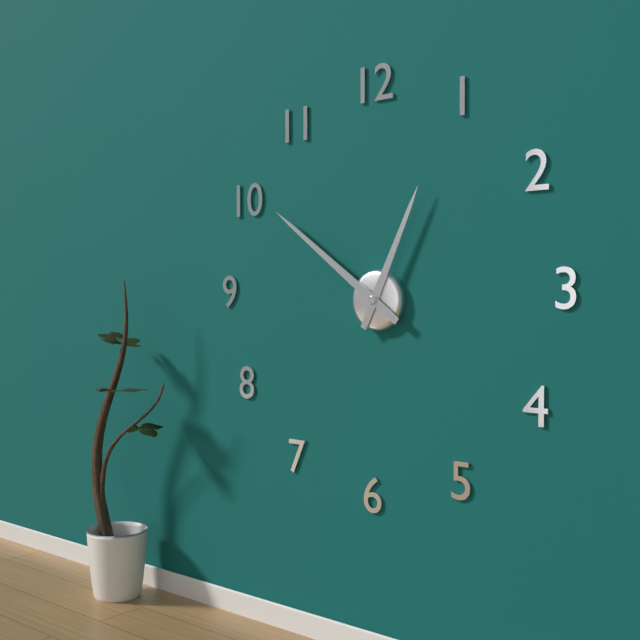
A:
12 h 51 min
